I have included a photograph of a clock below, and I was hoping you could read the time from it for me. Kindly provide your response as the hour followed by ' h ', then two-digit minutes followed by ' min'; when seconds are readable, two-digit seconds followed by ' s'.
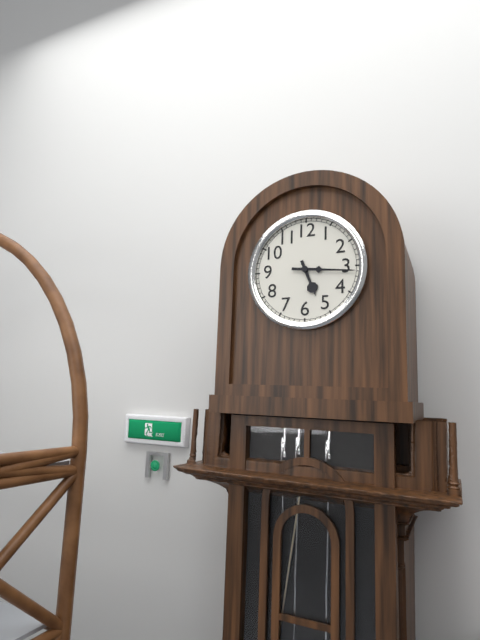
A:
5 h 16 min
